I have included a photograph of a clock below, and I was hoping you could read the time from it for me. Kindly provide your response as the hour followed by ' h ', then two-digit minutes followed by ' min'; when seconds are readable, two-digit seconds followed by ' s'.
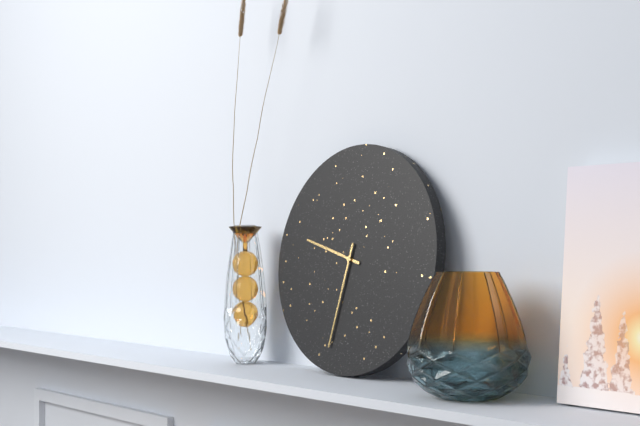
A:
9 h 32 min
